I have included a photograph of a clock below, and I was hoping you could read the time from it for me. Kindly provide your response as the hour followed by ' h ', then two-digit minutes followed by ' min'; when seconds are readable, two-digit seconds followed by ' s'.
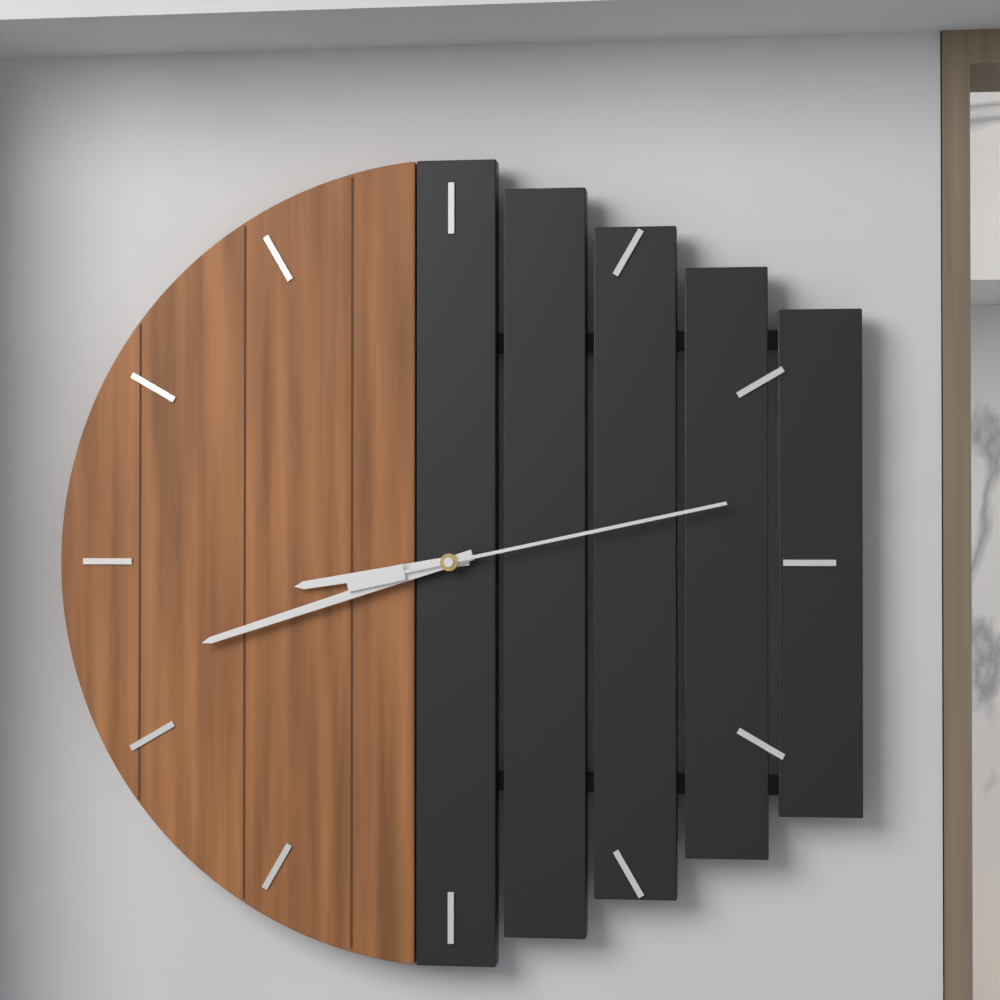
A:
8 h 42 min 13 s
